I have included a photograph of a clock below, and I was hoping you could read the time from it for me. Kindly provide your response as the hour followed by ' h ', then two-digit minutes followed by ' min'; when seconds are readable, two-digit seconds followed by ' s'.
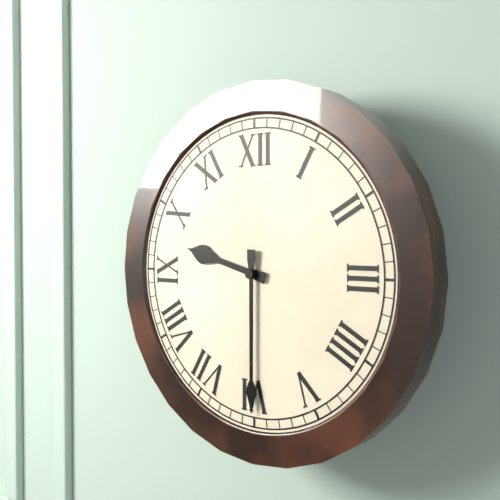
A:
9 h 30 min
